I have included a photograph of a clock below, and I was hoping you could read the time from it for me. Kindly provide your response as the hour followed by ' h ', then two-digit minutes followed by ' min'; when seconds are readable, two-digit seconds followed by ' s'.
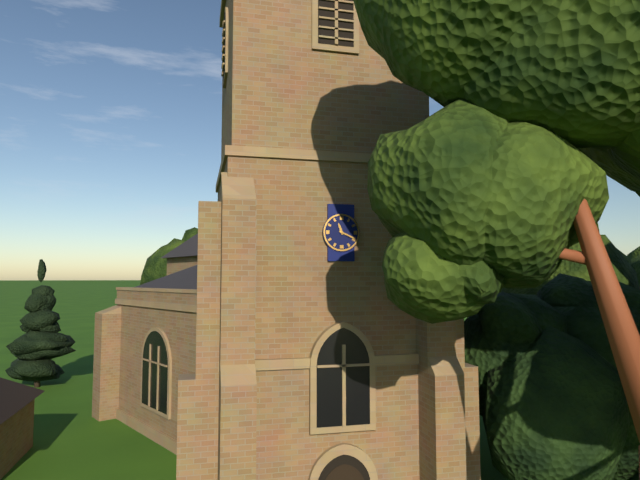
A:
11 h 19 min
